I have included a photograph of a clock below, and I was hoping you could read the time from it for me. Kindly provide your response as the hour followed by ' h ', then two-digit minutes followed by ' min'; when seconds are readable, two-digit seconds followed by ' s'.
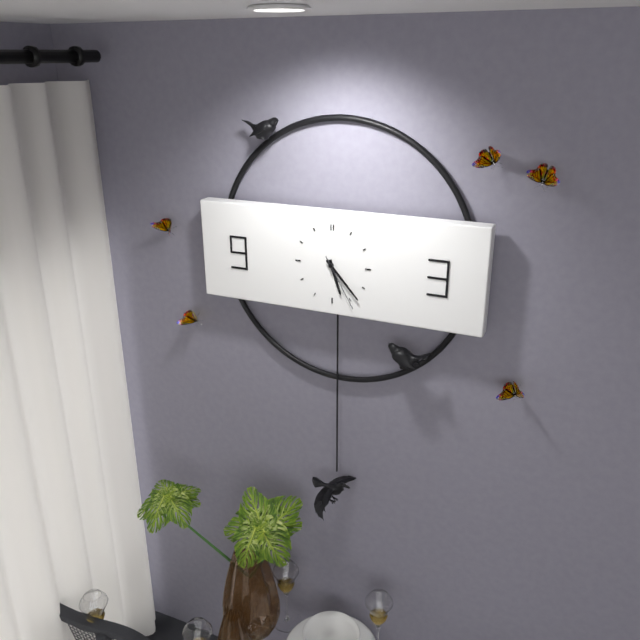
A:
5 h 23 min 25 s
